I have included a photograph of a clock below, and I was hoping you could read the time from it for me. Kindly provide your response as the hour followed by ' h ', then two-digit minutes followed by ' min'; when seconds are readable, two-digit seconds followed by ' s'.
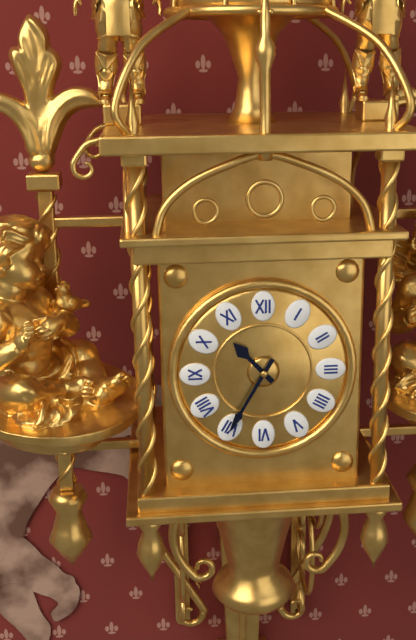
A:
10 h 35 min
